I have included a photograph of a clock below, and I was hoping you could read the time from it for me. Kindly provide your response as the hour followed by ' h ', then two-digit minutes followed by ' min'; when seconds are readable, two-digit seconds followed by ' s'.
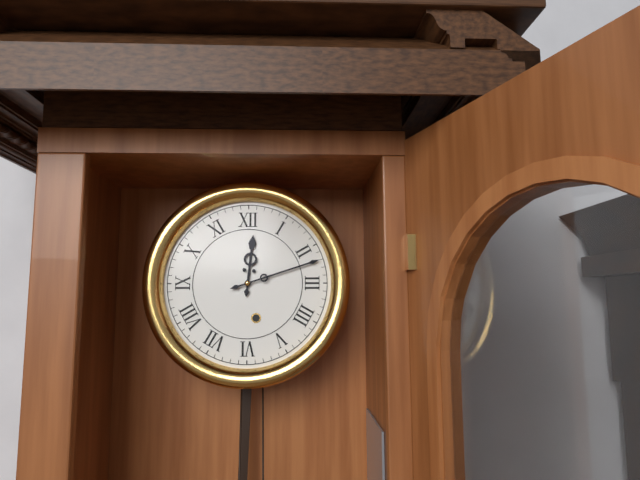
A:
12 h 12 min
